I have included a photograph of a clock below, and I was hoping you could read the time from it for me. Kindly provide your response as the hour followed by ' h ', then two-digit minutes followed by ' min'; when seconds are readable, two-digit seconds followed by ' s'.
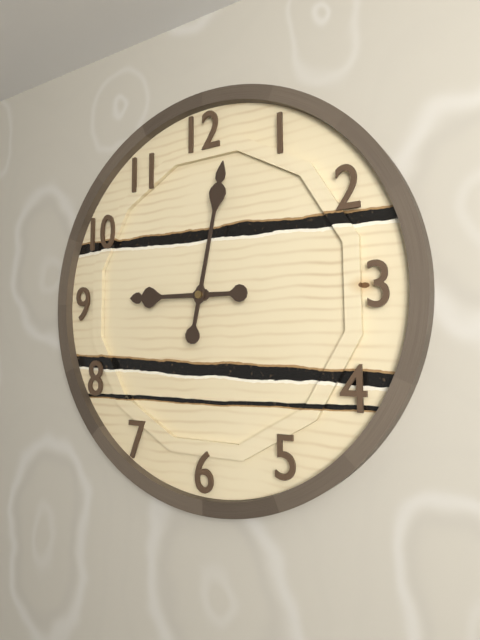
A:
9 h 02 min
